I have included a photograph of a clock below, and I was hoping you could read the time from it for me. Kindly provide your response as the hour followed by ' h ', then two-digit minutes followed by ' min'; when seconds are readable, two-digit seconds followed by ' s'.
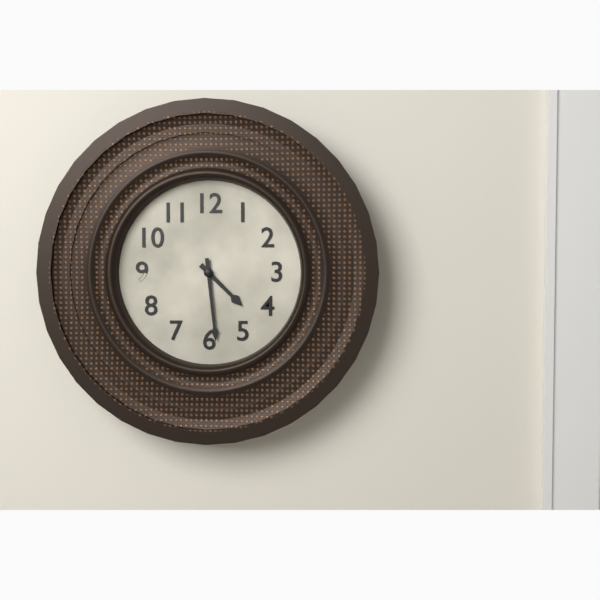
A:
4 h 29 min
